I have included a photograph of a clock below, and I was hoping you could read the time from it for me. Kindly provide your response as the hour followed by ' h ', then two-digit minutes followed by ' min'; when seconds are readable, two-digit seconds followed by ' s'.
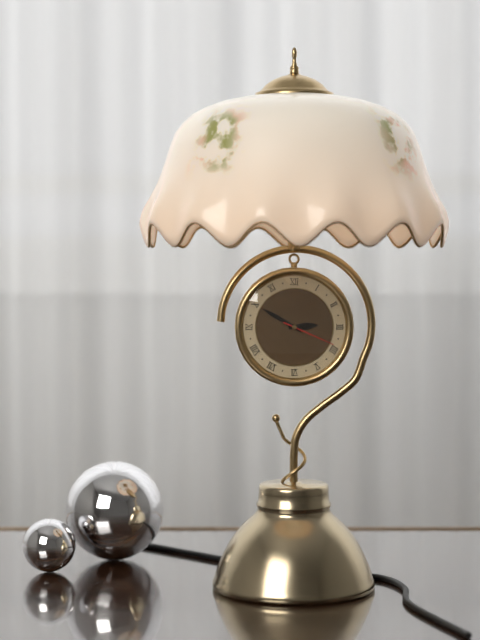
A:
2 h 50 min 19 s
